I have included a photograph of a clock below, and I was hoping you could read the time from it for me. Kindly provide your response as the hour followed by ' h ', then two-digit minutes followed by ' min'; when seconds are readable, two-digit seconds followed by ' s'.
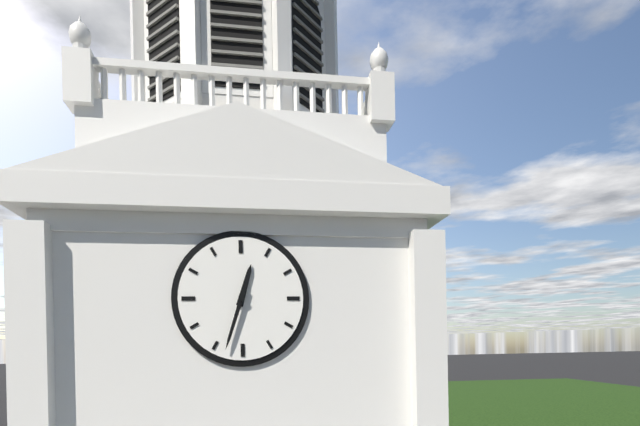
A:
12 h 33 min
